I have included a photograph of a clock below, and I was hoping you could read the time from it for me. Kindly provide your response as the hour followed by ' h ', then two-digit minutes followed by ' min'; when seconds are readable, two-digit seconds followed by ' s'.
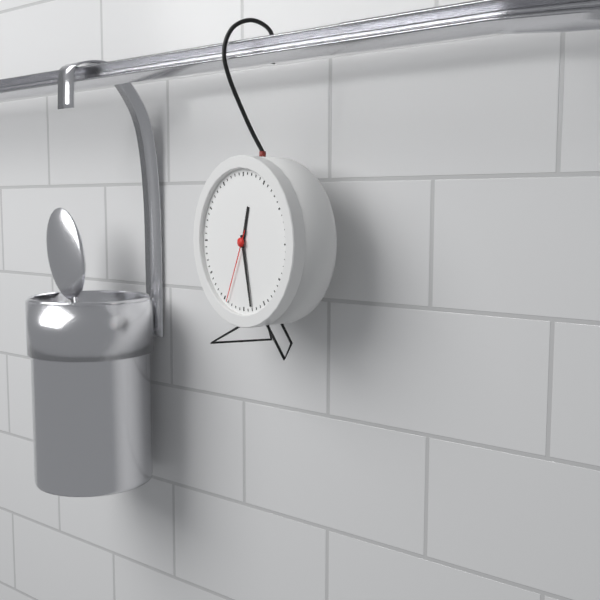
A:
12 h 28 min 34 s
